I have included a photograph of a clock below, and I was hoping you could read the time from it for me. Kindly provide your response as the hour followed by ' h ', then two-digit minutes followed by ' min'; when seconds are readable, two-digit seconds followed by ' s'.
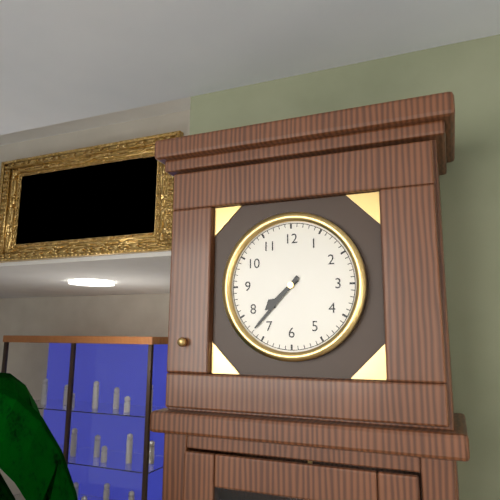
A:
7 h 37 min
